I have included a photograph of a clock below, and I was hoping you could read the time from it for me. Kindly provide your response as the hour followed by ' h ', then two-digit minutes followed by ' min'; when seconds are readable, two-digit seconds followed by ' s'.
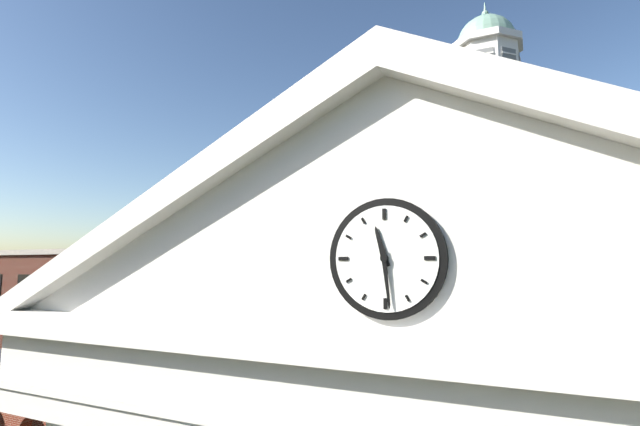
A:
11 h 29 min
